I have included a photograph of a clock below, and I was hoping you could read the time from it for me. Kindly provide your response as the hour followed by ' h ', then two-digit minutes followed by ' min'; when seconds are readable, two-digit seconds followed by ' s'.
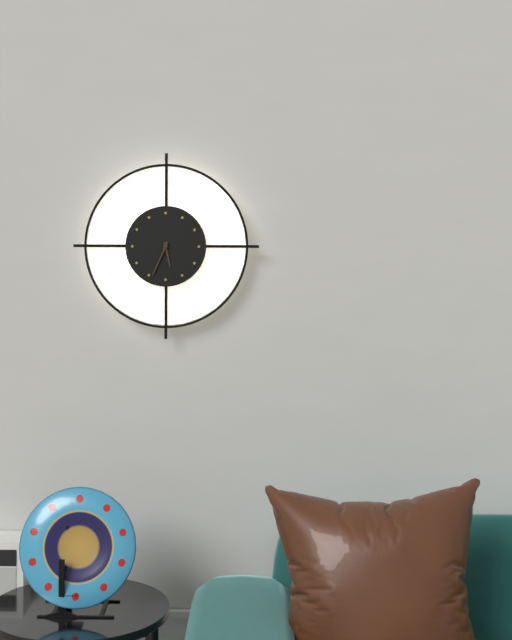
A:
5 h 34 min
